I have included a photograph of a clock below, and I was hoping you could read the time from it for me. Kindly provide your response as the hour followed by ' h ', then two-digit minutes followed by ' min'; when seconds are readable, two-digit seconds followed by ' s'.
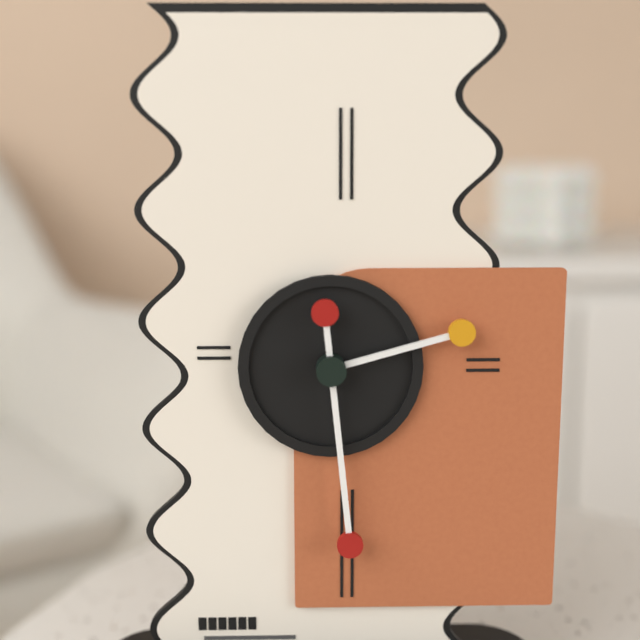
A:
2 h 29 min
